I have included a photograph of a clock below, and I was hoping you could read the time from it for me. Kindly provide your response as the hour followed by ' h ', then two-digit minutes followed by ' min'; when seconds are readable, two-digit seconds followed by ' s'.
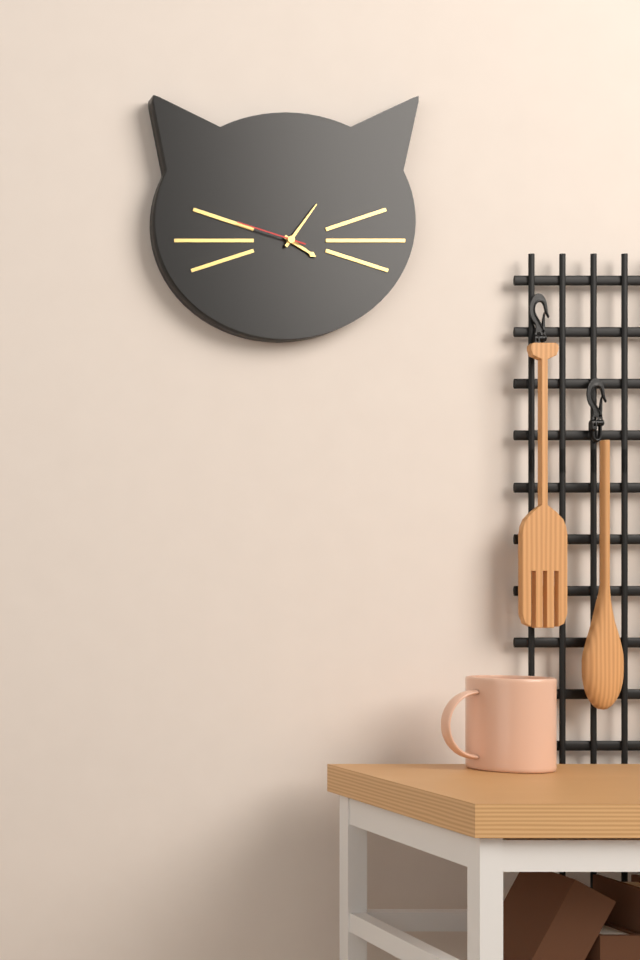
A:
4 h 06 min 48 s
